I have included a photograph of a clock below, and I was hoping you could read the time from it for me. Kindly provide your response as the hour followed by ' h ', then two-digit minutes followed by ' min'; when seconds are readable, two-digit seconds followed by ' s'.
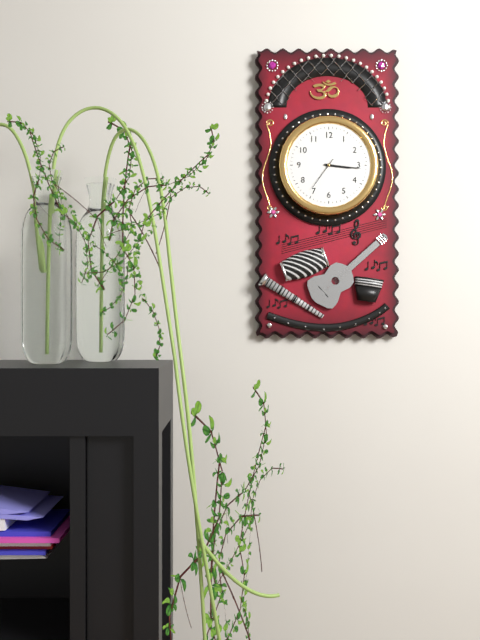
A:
3 h 16 min
